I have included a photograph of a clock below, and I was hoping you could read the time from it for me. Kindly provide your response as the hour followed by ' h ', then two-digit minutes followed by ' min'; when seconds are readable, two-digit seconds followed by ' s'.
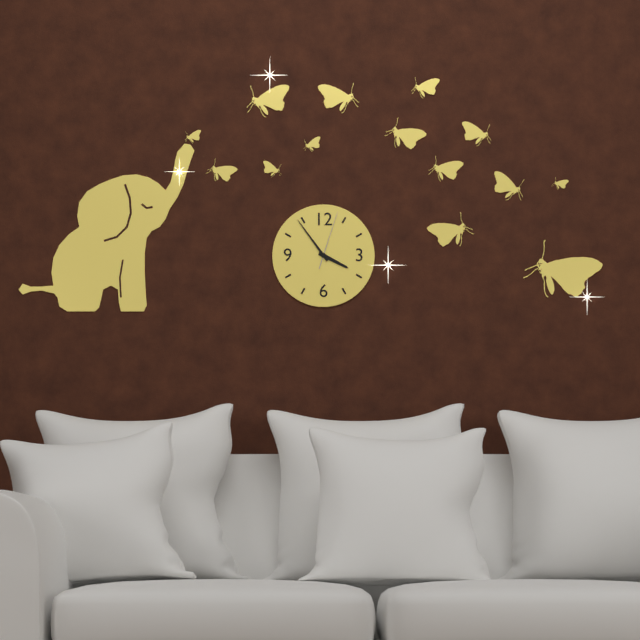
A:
3 h 54 min 03 s
